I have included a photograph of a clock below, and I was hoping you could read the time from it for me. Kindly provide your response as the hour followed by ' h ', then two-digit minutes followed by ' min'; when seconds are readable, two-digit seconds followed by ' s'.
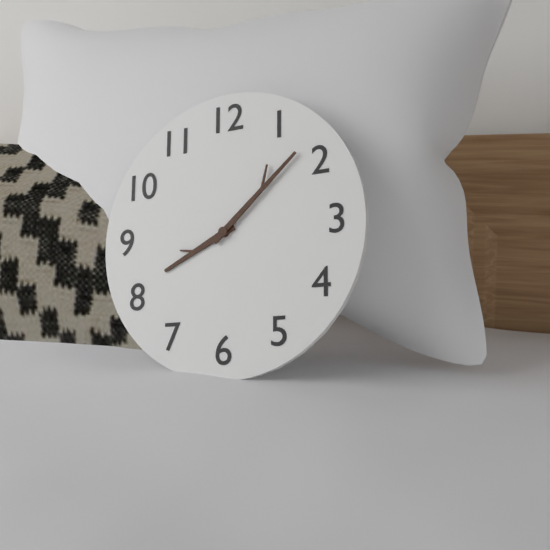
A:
8 h 08 min
